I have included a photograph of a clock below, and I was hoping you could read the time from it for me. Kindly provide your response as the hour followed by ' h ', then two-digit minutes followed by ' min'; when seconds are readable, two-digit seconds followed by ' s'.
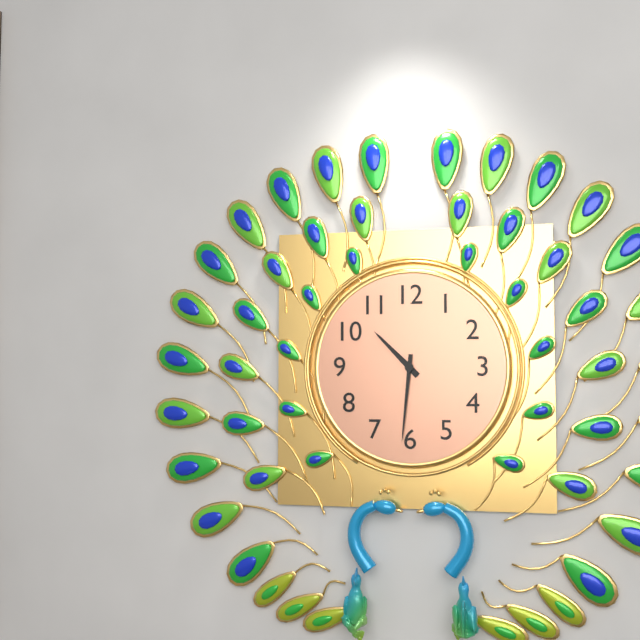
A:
10 h 31 min
